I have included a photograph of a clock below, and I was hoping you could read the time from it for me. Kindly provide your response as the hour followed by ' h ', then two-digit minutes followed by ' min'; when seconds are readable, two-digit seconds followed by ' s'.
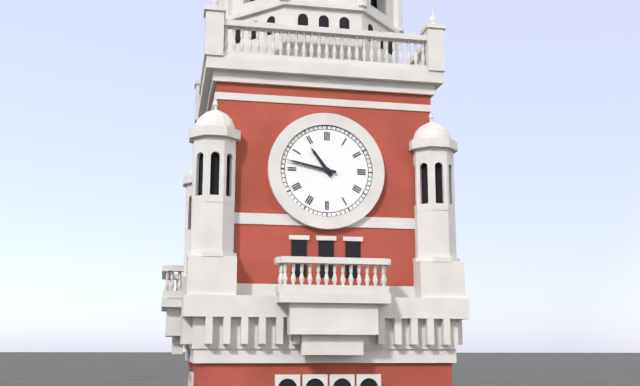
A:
10 h 47 min
